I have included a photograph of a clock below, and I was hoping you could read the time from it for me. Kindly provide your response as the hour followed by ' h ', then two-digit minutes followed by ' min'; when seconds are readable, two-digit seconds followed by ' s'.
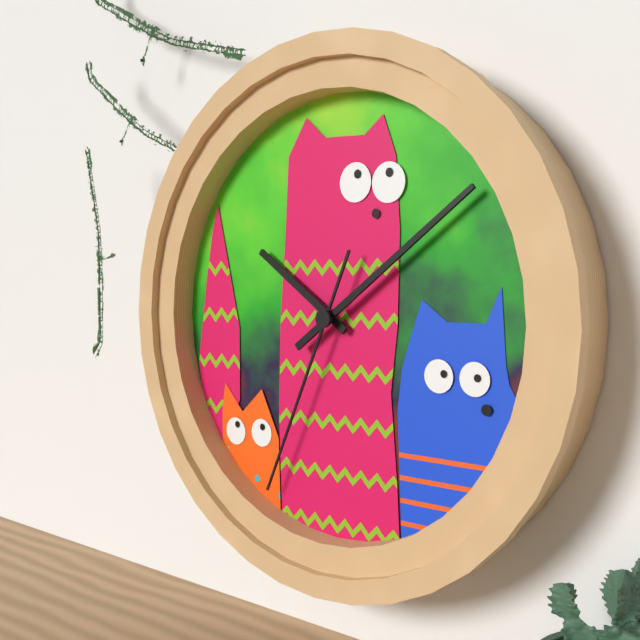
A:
10 h 09 min 34 s
